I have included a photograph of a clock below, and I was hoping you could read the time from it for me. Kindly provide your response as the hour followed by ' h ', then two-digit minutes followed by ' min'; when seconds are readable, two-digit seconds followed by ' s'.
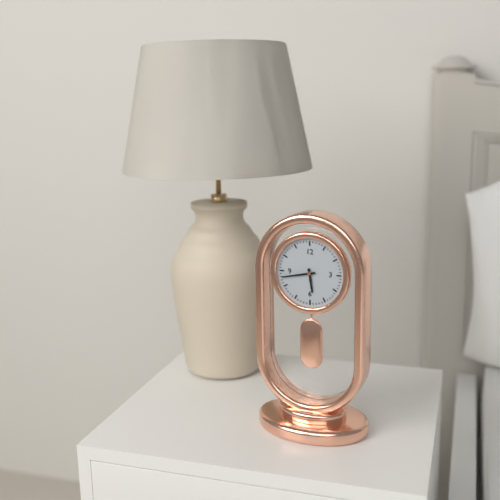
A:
5 h 43 min
